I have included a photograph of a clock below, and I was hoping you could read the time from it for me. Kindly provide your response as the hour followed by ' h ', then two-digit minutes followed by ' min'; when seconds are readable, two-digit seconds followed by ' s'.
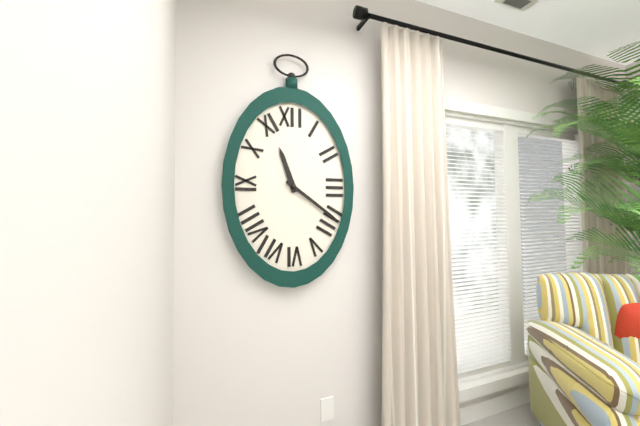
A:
11 h 21 min
